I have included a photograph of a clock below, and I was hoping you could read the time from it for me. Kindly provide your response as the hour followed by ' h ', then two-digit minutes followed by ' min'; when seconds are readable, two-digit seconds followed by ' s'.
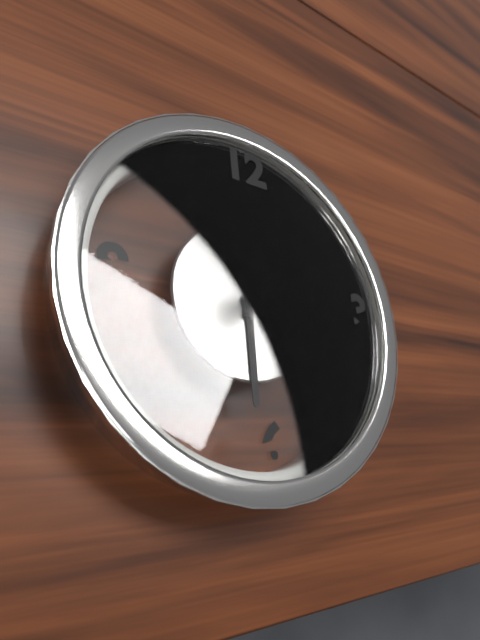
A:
6 h 02 min
